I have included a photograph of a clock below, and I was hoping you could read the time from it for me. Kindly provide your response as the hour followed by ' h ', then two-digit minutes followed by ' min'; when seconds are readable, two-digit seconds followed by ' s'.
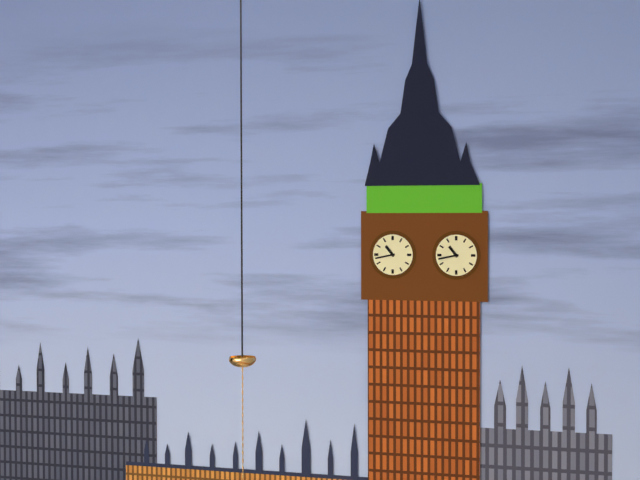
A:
10 h 43 min
